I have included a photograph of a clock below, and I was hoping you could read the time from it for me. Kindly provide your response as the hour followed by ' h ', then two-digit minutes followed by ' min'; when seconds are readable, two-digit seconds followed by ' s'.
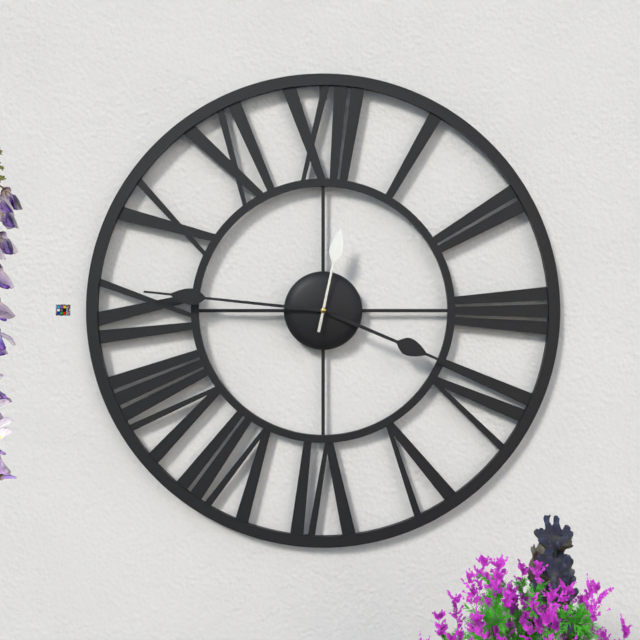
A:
3 h 46 min 02 s
